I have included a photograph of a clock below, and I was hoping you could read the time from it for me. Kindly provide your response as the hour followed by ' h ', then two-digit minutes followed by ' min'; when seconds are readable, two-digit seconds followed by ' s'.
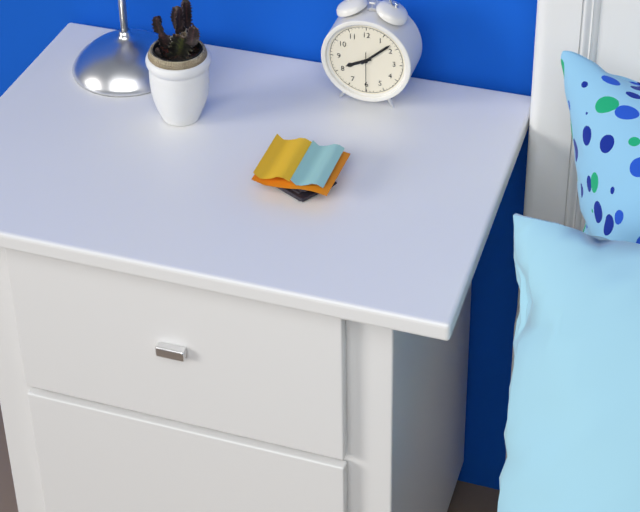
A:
8 h 08 min
